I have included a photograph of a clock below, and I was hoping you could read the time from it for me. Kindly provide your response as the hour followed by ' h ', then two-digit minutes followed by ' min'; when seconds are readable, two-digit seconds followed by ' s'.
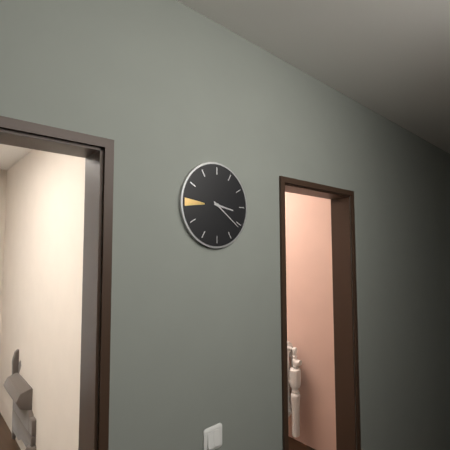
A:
3 h 21 min
